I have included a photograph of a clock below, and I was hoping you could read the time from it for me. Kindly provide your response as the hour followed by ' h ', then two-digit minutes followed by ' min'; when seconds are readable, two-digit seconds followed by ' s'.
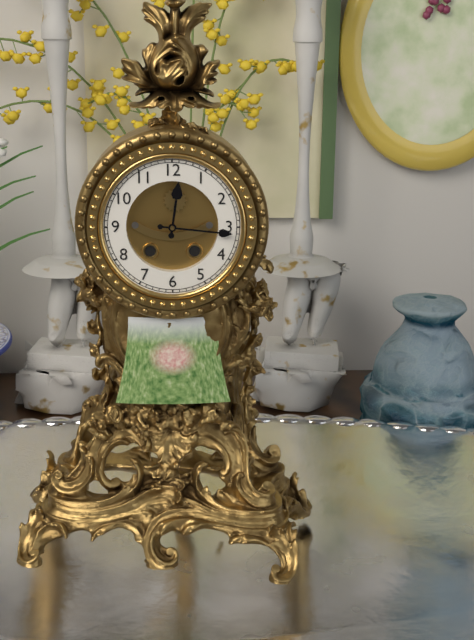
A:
12 h 16 min
